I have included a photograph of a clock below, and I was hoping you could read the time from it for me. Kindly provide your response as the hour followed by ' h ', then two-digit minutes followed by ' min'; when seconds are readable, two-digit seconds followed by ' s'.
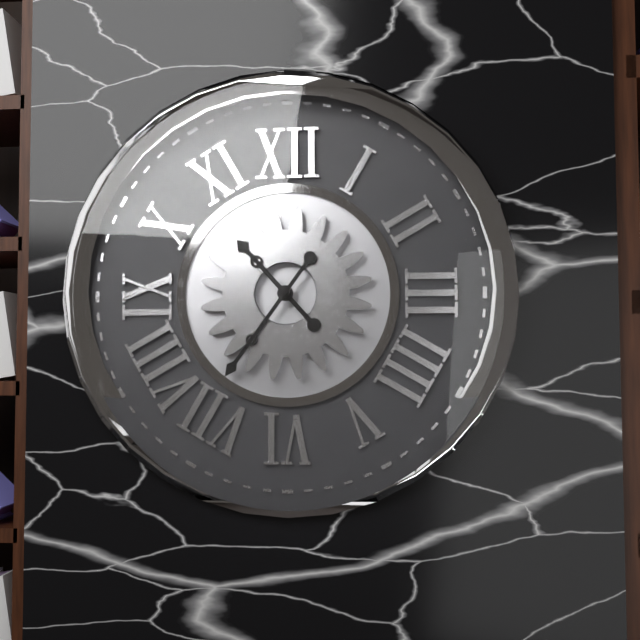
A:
10 h 36 min
